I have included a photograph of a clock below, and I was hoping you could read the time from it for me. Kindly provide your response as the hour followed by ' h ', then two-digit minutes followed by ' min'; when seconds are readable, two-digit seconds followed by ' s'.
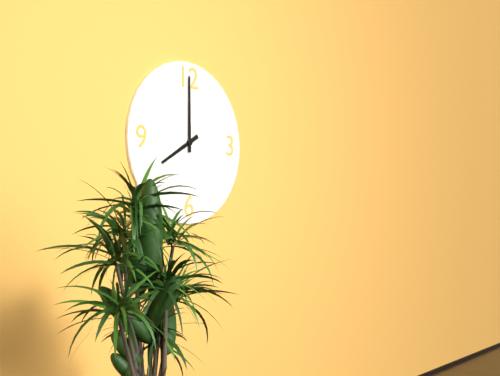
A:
8 h 00 min
